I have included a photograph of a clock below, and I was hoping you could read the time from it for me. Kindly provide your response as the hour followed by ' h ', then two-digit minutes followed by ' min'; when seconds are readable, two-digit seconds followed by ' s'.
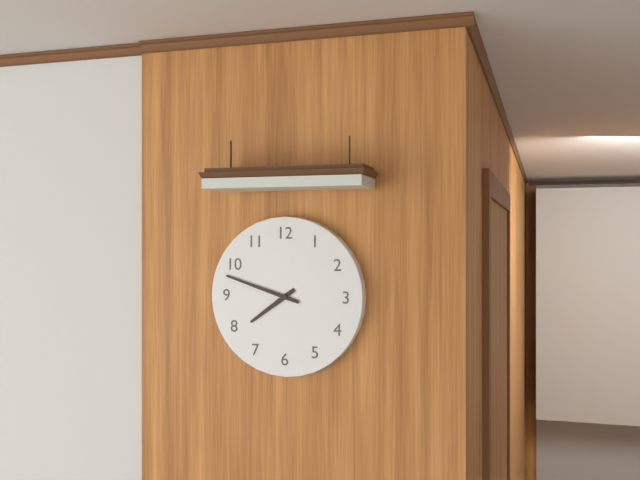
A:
7 h 48 min
